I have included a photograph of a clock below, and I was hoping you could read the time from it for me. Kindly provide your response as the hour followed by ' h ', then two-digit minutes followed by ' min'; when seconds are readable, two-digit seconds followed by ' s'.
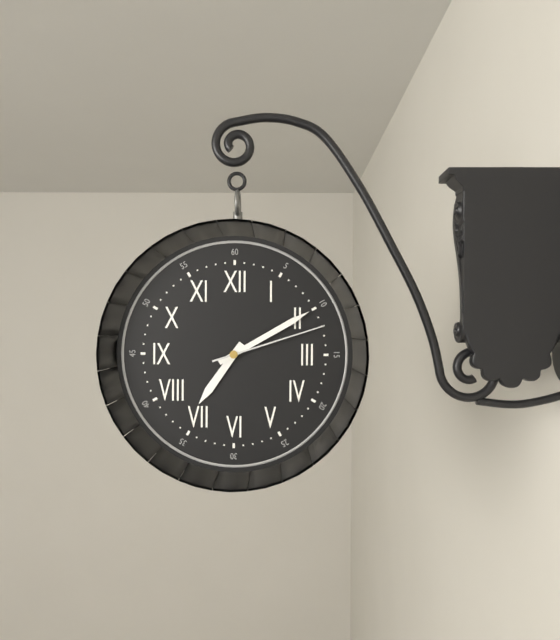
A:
7 h 10 min 12 s
